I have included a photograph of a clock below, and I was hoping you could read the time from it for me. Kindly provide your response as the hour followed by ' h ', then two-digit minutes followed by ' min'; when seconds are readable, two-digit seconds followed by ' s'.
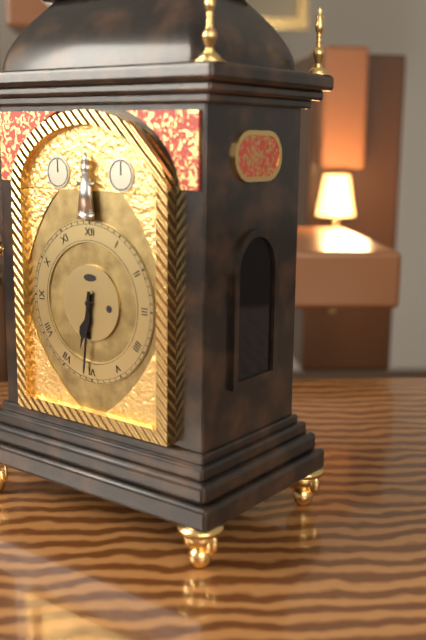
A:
6 h 31 min
